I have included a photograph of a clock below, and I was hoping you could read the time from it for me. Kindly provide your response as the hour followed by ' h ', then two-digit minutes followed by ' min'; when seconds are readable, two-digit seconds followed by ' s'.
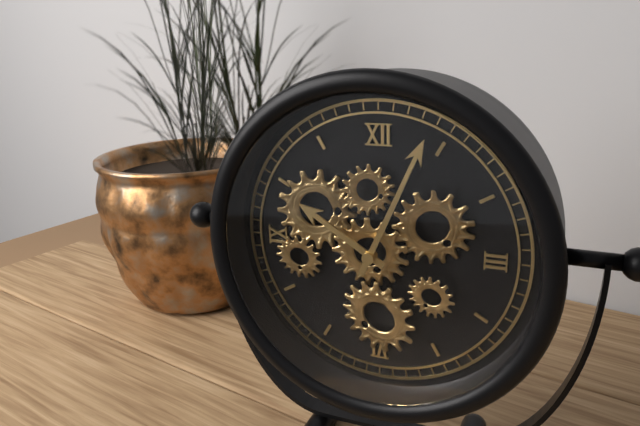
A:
10 h 04 min
